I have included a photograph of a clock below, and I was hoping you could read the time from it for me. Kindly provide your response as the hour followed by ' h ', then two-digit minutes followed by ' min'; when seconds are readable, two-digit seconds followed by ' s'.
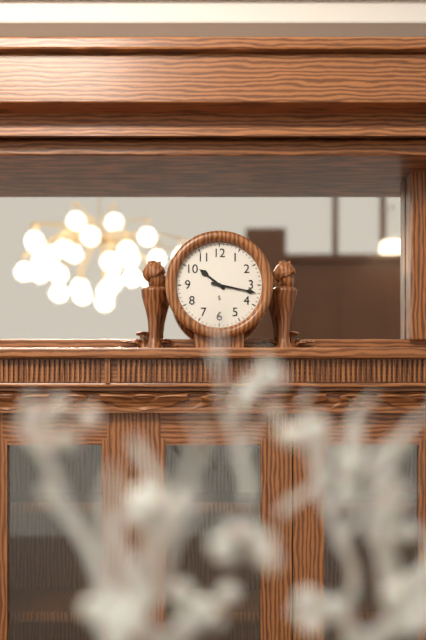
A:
10 h 17 min
